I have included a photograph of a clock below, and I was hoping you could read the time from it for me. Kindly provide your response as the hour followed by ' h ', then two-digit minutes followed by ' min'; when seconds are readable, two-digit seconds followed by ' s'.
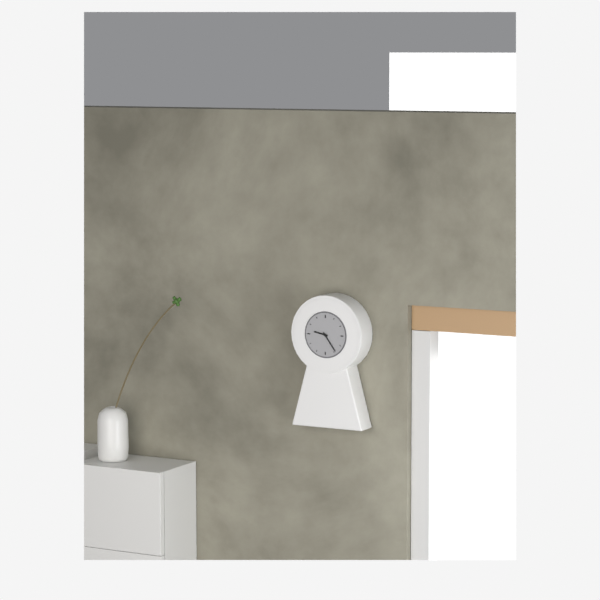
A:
9 h 24 min
